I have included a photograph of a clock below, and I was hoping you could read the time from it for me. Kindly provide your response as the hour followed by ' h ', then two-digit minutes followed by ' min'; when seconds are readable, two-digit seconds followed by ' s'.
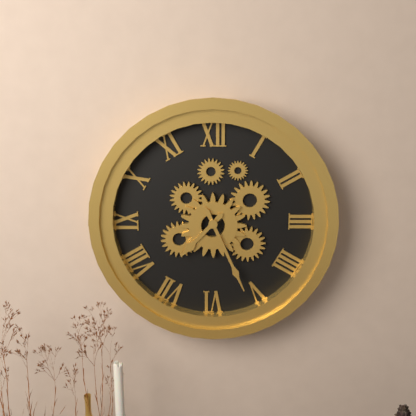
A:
7 h 26 min
